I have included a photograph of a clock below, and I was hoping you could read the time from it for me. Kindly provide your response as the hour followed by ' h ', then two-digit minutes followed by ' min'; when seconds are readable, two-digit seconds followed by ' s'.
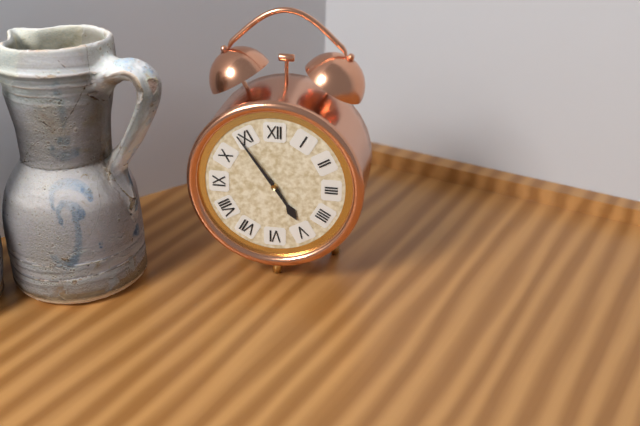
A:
4 h 54 min
